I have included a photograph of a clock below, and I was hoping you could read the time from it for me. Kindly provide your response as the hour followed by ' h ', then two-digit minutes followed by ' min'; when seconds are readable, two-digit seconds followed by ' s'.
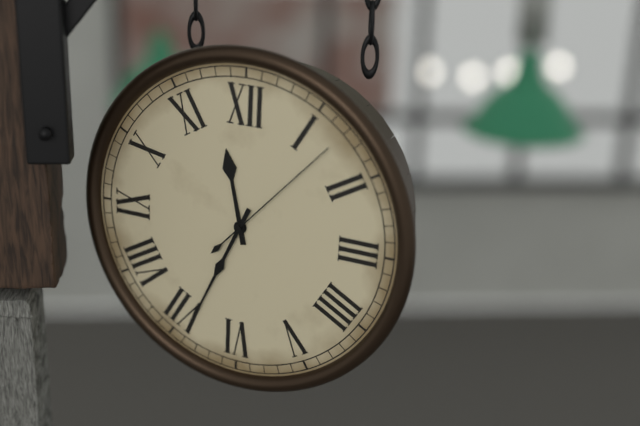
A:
11 h 34 min 07 s
